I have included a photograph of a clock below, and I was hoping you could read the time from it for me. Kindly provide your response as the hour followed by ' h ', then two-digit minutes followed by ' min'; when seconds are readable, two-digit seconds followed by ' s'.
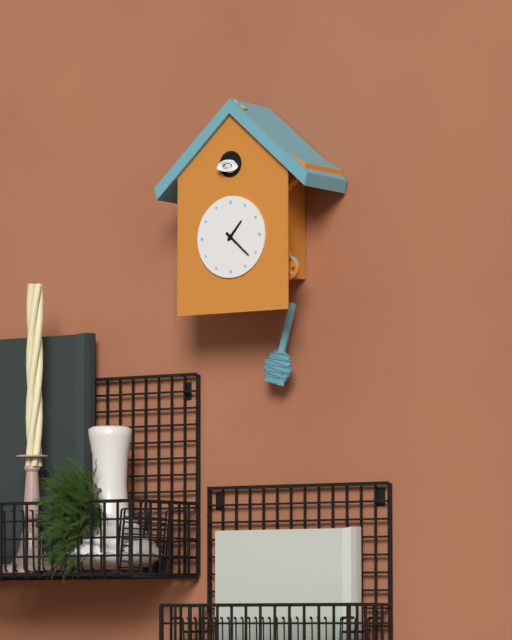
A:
1 h 22 min
